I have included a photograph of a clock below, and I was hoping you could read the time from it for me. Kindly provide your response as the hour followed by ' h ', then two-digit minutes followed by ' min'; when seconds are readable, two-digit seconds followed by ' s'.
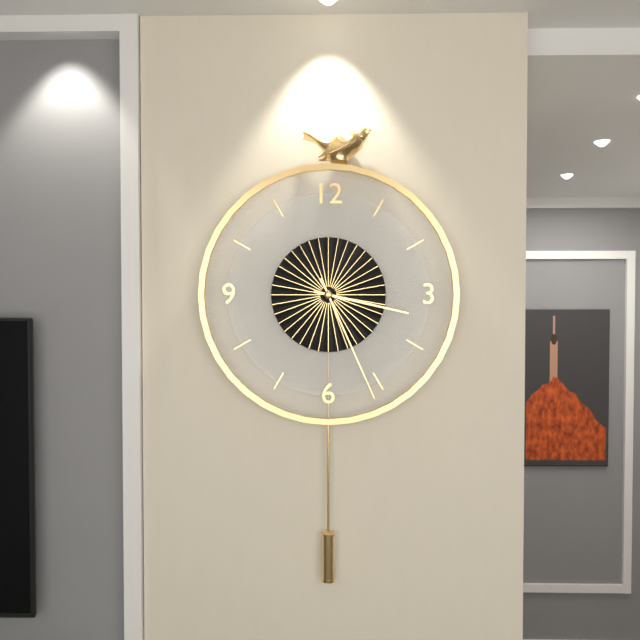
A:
3 h 26 min
